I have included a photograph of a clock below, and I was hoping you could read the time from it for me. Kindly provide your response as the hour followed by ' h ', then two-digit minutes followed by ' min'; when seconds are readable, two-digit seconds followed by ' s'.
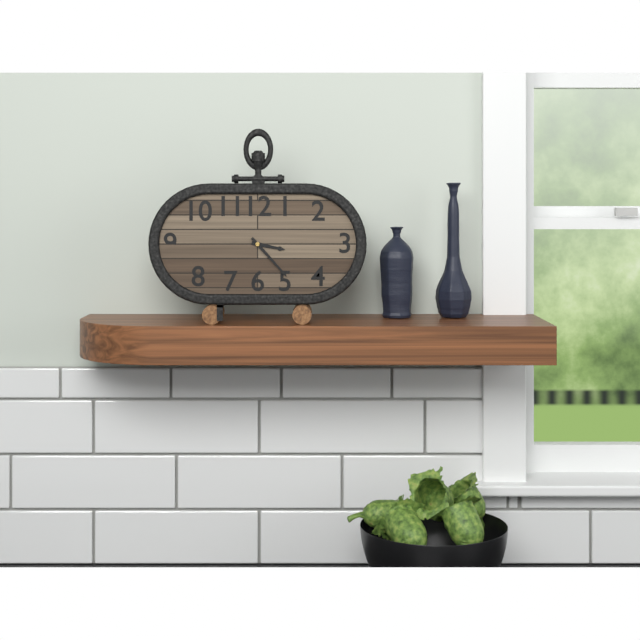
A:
3 h 23 min
